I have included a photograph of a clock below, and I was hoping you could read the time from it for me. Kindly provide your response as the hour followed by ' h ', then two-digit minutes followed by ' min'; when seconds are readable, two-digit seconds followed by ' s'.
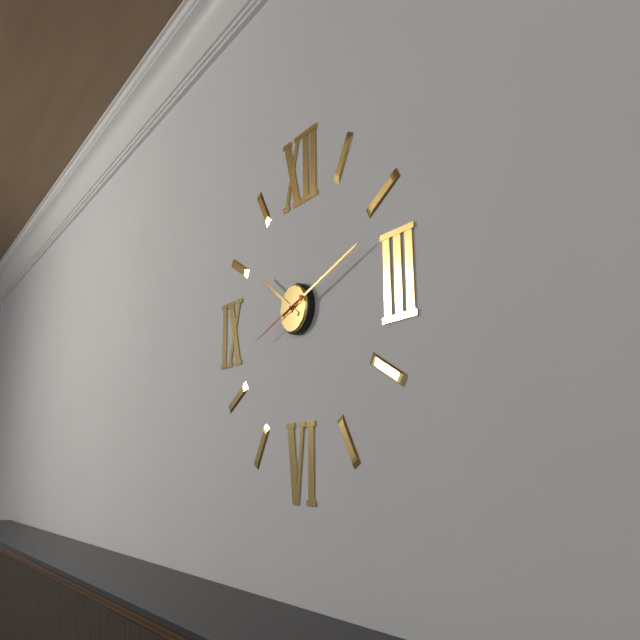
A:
10 h 12 min 42 s
